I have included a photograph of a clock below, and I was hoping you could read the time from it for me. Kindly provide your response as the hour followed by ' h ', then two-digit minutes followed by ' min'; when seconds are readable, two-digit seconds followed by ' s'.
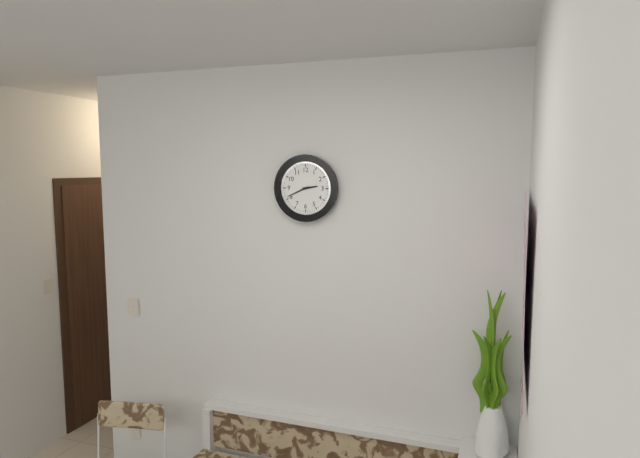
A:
2 h 41 min
